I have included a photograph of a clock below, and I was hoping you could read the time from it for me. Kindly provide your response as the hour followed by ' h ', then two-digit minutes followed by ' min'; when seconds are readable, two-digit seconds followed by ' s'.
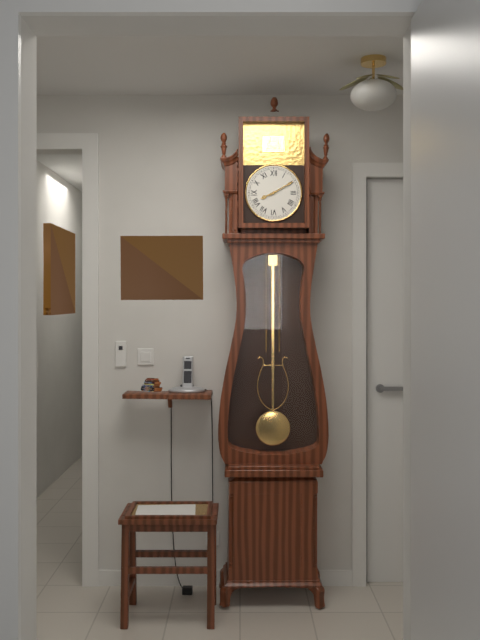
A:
8 h 10 min
